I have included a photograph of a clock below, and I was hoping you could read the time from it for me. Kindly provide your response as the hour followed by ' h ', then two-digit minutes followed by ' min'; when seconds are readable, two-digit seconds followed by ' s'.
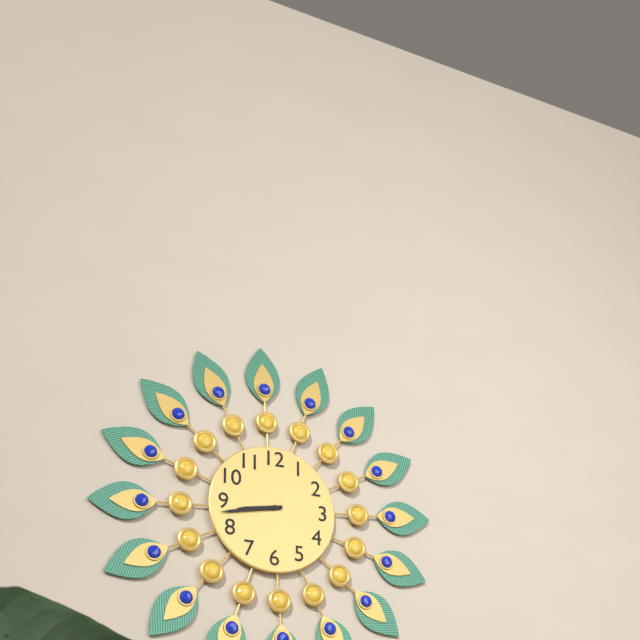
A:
8 h 43 min
